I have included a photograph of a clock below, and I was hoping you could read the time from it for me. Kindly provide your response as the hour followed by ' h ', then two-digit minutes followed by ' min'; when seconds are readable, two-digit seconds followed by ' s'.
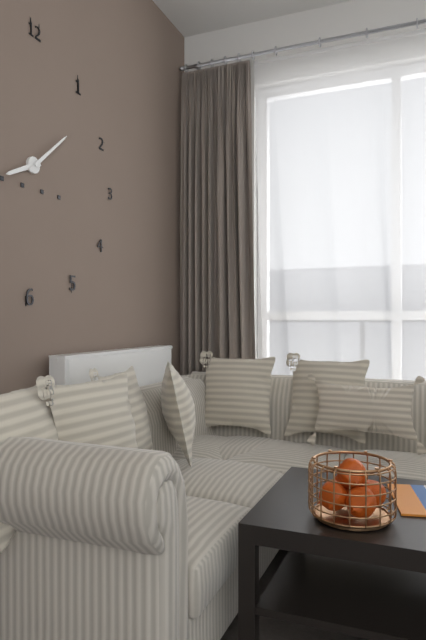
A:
8 h 08 min
